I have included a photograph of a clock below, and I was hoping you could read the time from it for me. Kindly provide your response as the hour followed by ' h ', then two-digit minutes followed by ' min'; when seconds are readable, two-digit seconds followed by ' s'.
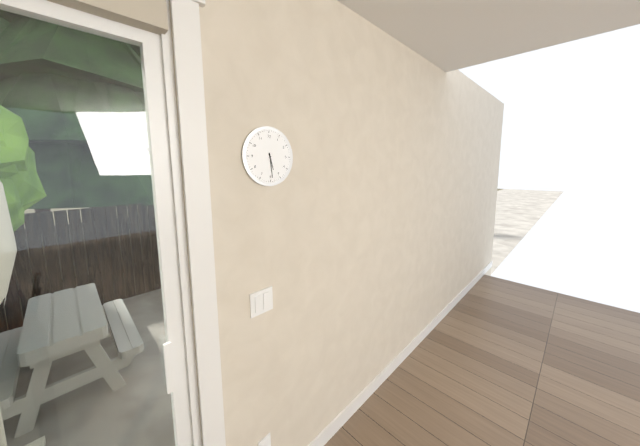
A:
5 h 29 min
